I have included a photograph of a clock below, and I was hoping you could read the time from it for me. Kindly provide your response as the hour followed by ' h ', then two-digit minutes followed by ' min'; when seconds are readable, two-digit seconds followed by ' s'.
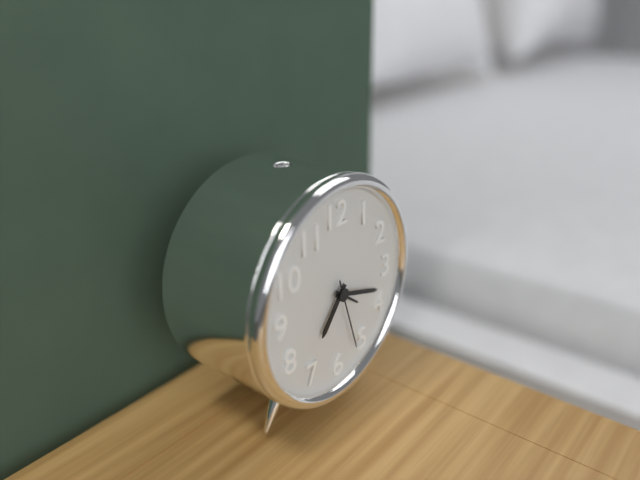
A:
7 h 18 min 27 s
